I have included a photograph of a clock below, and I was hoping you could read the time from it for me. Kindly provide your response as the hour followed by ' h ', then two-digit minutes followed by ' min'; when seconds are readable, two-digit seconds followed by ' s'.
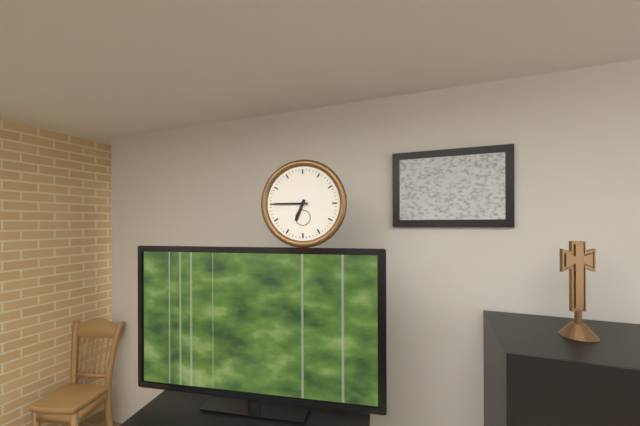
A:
6 h 45 min
